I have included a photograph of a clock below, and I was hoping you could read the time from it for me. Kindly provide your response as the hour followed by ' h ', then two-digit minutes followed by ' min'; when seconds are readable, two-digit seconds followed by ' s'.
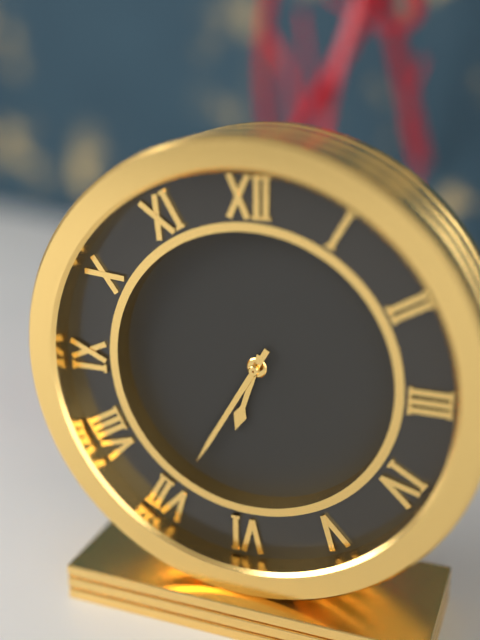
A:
6 h 35 min
